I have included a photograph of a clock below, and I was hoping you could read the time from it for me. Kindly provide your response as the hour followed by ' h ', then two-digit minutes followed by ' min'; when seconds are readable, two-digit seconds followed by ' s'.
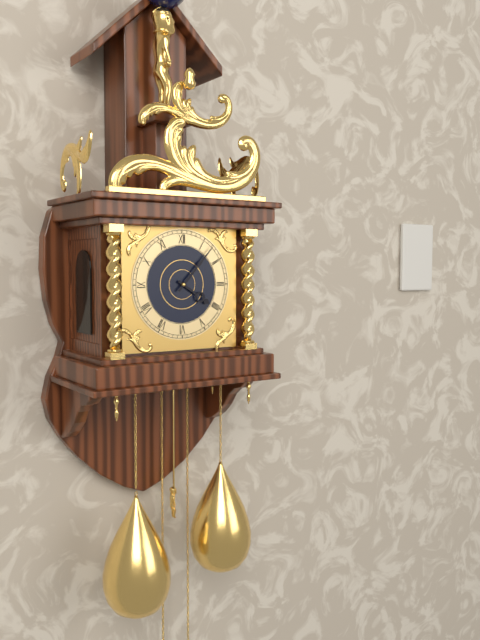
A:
4 h 07 min
